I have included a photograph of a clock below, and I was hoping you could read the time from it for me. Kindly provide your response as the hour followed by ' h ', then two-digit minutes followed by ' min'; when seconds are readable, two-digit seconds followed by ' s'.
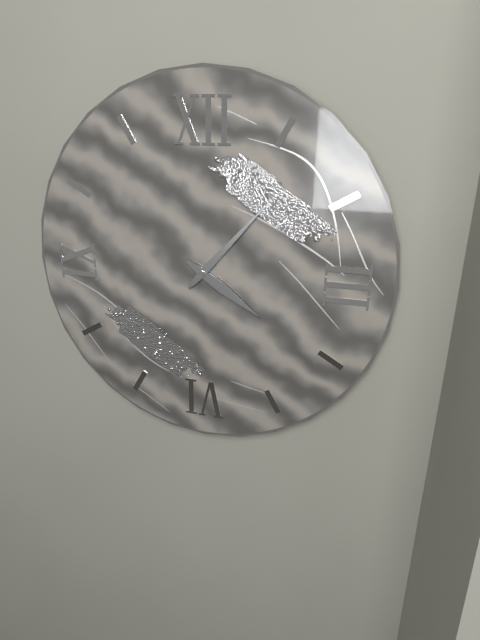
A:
4 h 07 min
